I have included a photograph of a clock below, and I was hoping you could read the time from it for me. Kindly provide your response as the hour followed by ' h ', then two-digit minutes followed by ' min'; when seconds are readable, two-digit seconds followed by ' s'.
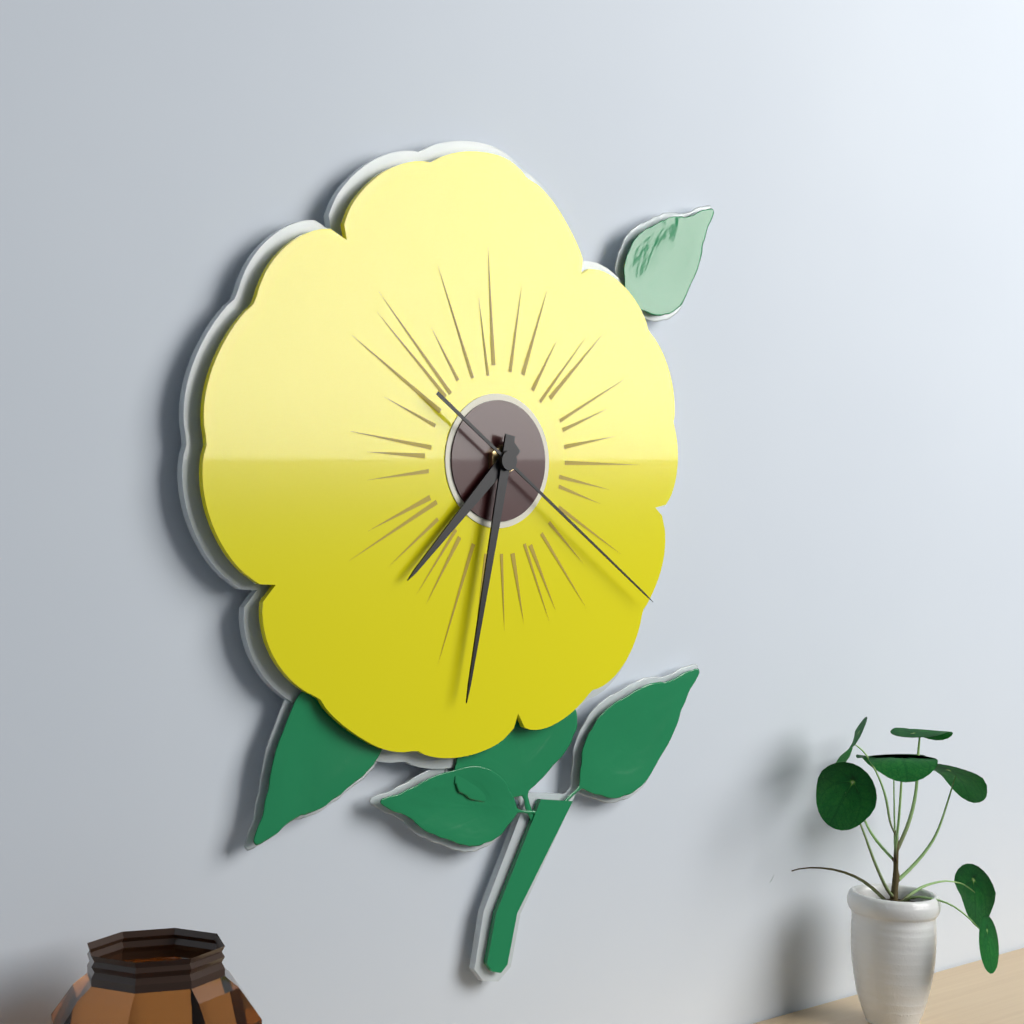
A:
7 h 32 min 21 s
